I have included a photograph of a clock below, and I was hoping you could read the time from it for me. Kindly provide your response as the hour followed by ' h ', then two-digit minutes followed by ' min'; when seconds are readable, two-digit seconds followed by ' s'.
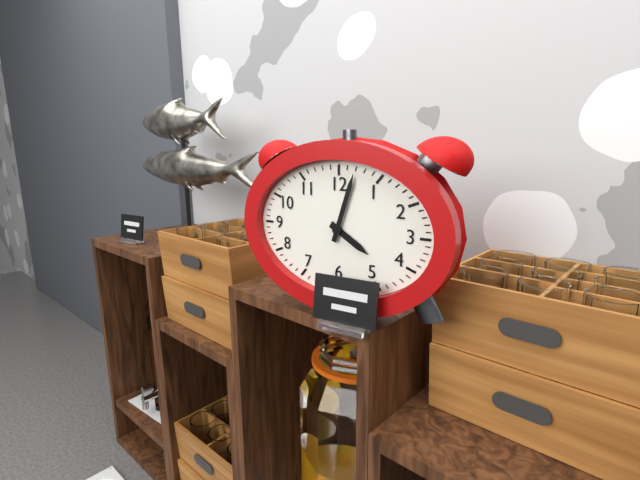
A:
4 h 03 min
